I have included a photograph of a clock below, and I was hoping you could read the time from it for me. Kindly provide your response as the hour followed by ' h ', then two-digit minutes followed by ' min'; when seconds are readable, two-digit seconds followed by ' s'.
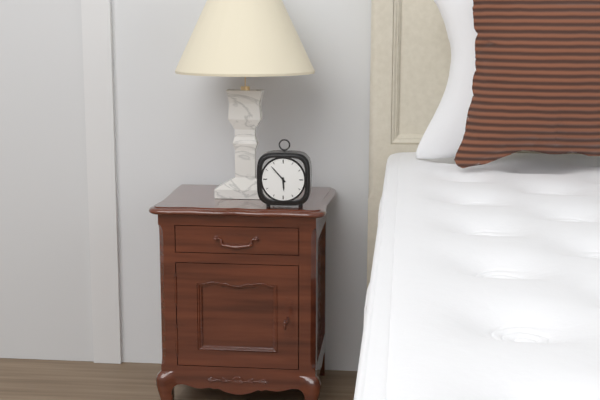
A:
5 h 53 min
